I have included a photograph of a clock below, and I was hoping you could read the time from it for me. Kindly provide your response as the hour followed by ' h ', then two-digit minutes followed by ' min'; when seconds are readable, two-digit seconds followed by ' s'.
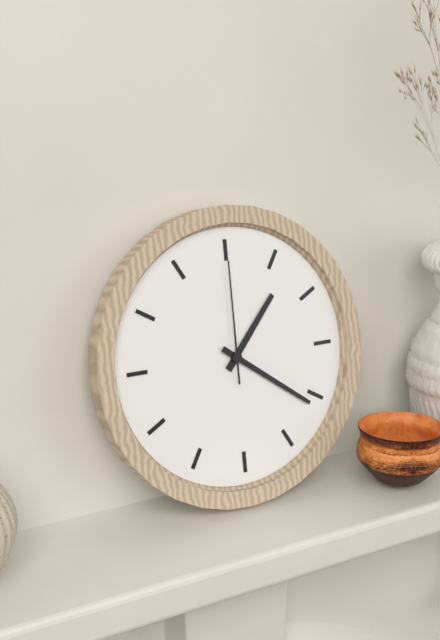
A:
1 h 21 min 00 s
